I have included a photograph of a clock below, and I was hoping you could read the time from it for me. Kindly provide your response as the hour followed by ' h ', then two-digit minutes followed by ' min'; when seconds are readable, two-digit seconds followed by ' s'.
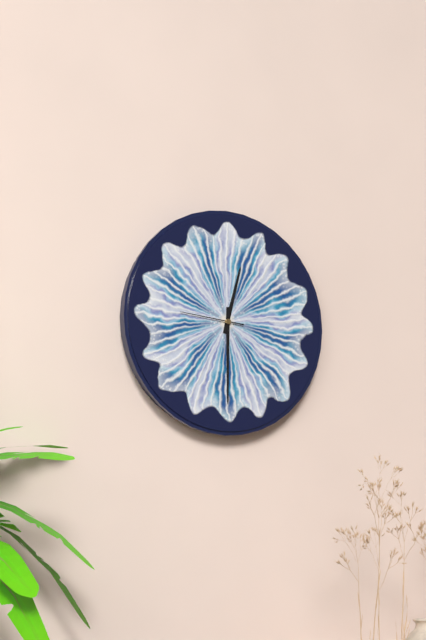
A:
12 h 30 min 46 s
